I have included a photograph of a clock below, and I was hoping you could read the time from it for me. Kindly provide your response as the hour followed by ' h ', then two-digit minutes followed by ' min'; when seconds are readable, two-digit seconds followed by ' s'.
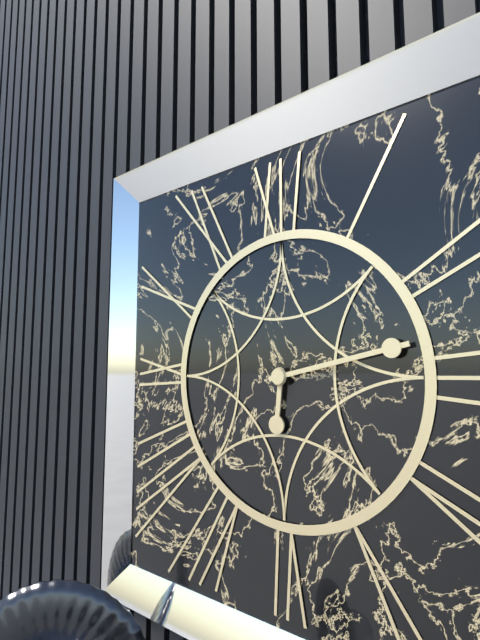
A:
6 h 13 min
